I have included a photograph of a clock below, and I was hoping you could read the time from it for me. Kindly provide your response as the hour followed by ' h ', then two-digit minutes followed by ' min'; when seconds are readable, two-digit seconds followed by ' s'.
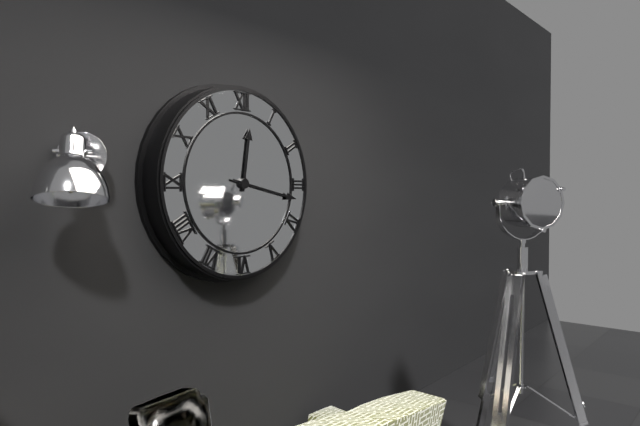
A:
12 h 17 min
